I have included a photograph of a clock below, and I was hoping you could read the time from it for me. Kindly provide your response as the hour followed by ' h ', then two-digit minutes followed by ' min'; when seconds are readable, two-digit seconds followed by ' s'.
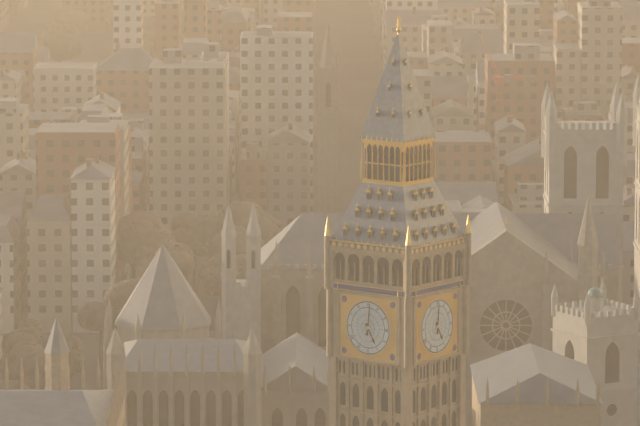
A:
5 h 01 min
